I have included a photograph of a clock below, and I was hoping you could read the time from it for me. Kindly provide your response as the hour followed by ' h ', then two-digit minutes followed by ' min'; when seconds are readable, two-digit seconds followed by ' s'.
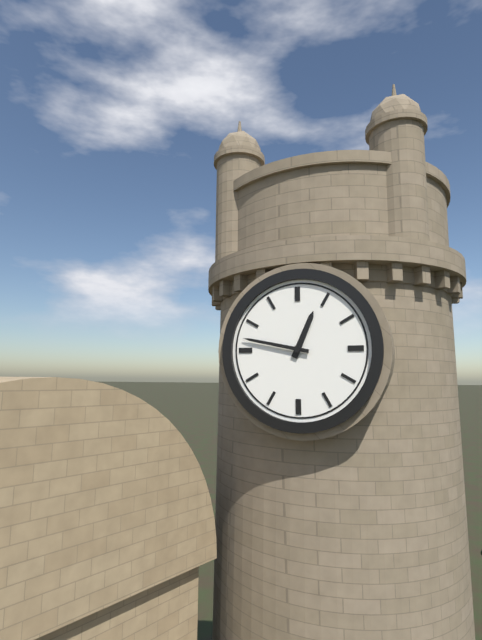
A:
12 h 47 min
